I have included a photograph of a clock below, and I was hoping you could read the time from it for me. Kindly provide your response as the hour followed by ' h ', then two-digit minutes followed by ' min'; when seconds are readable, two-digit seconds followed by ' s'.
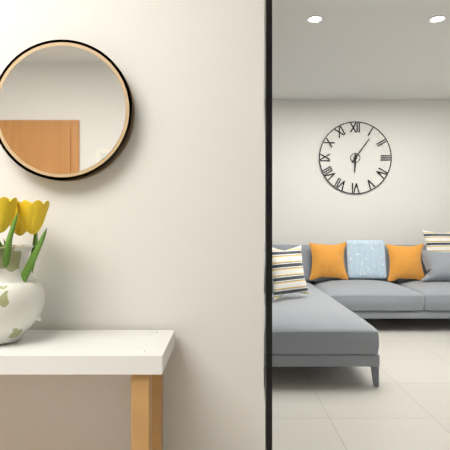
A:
6 h 06 min
